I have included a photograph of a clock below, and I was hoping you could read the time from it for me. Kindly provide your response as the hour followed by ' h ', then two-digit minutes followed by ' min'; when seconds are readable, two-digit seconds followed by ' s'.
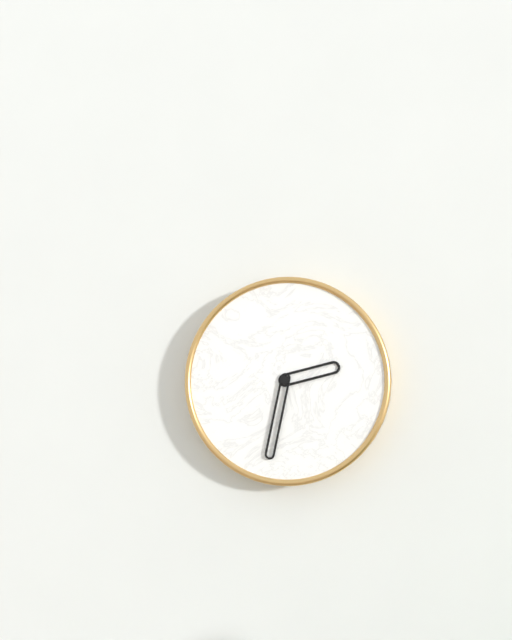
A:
2 h 32 min
